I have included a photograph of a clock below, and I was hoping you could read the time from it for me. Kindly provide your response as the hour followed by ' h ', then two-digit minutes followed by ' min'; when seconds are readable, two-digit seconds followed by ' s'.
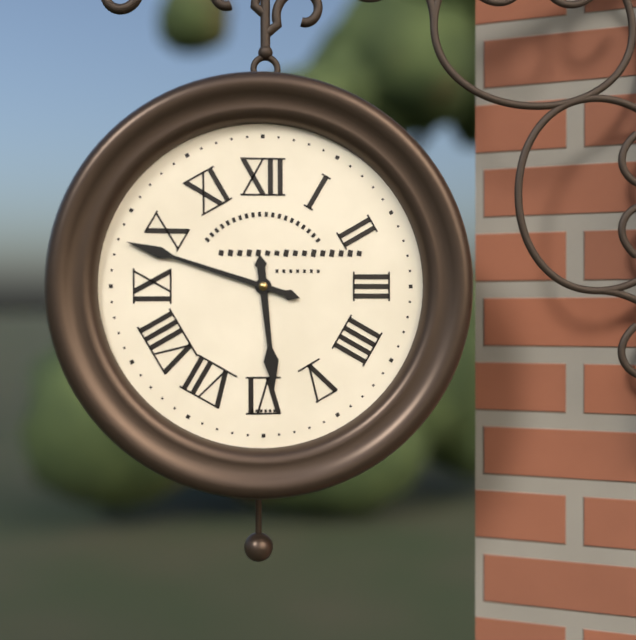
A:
5 h 48 min
